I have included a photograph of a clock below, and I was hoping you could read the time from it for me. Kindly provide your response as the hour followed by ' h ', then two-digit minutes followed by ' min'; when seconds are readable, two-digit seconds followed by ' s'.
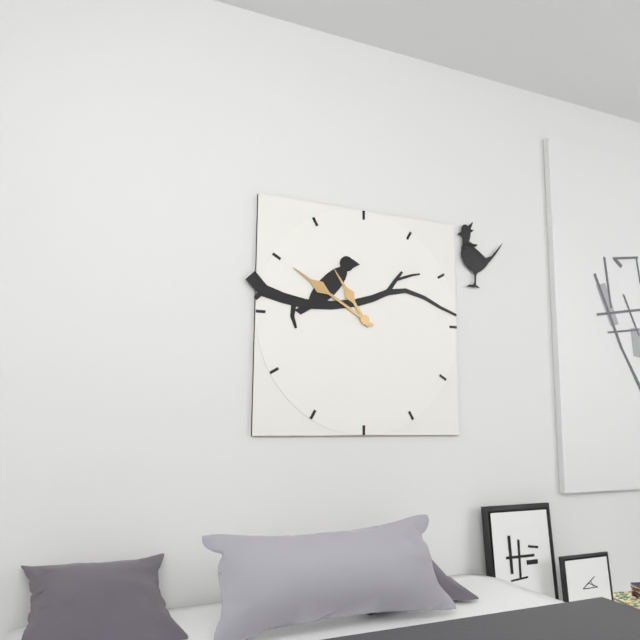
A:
10 h 50 min
